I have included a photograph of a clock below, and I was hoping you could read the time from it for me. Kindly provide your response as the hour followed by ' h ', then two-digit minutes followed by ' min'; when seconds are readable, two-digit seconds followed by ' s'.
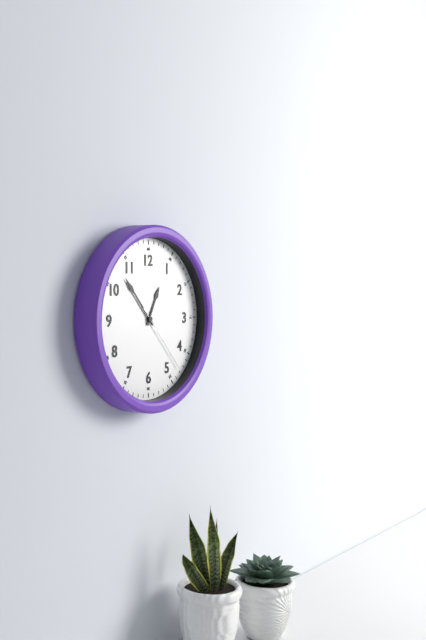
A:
12 h 53 min 23 s
